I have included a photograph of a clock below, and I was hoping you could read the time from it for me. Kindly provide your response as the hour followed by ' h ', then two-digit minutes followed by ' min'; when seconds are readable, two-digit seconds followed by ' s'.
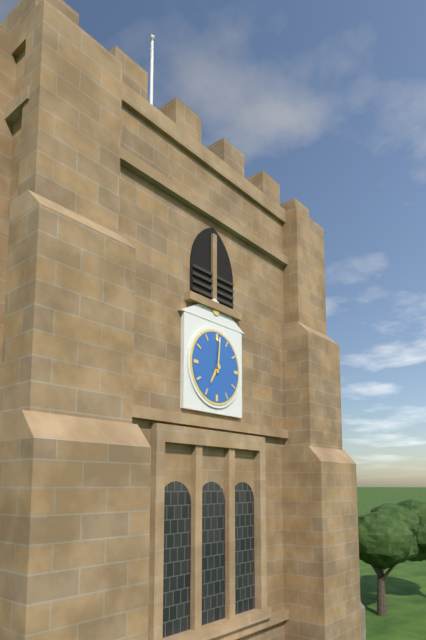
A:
7 h 01 min
